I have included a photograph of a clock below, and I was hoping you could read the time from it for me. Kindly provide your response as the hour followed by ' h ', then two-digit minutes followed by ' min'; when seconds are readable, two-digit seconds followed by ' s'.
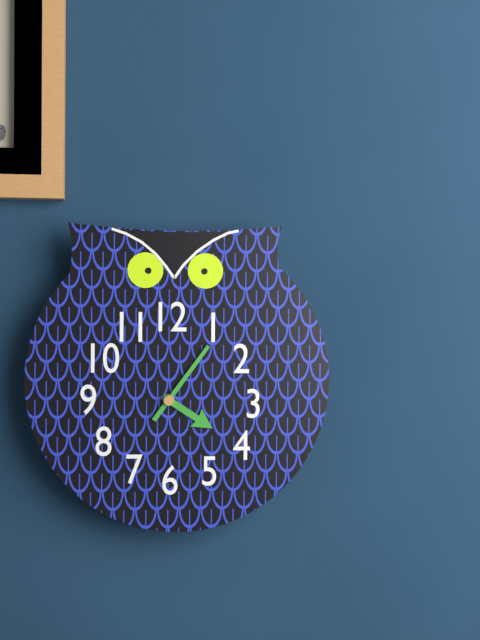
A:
4 h 06 min
